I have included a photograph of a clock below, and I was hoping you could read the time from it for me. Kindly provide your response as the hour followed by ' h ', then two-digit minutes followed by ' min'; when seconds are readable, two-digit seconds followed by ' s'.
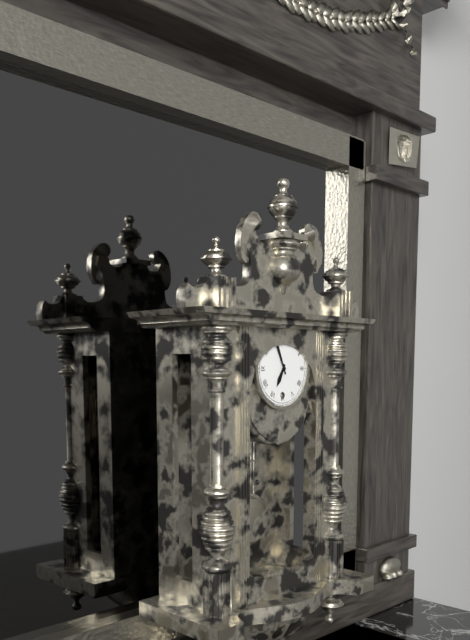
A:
6 h 56 min
